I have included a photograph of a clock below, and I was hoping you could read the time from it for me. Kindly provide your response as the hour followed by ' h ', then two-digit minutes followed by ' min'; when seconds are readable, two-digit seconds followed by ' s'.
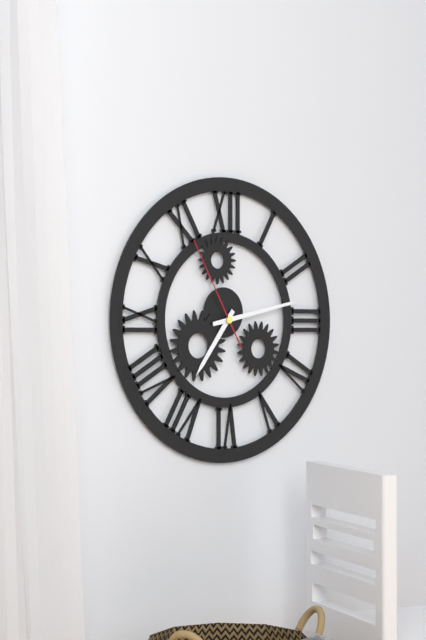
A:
7 h 13 min 55 s
